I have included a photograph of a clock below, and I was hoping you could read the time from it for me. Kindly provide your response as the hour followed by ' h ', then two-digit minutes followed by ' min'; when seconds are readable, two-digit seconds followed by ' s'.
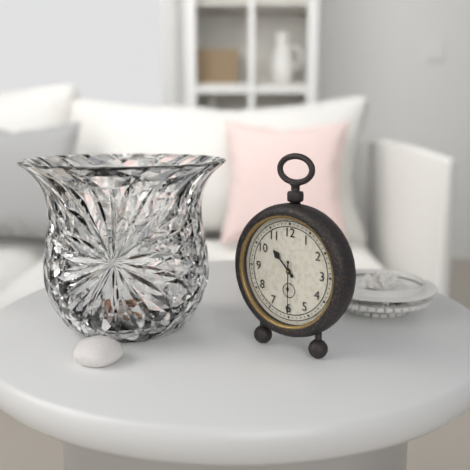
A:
10 h 30 min
